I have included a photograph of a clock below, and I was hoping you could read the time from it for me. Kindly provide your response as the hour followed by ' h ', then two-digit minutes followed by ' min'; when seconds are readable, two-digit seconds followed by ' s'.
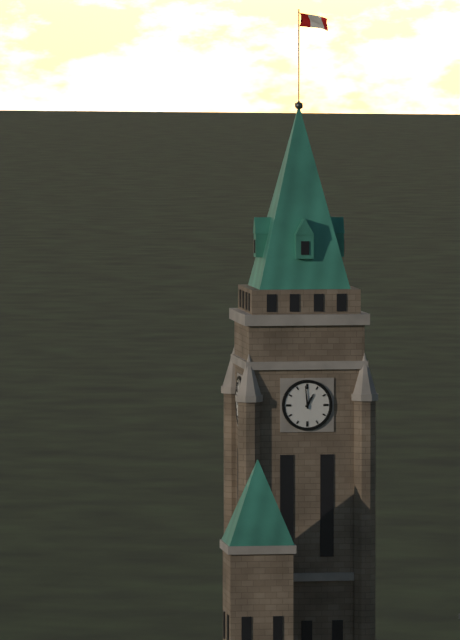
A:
12 h 59 min
